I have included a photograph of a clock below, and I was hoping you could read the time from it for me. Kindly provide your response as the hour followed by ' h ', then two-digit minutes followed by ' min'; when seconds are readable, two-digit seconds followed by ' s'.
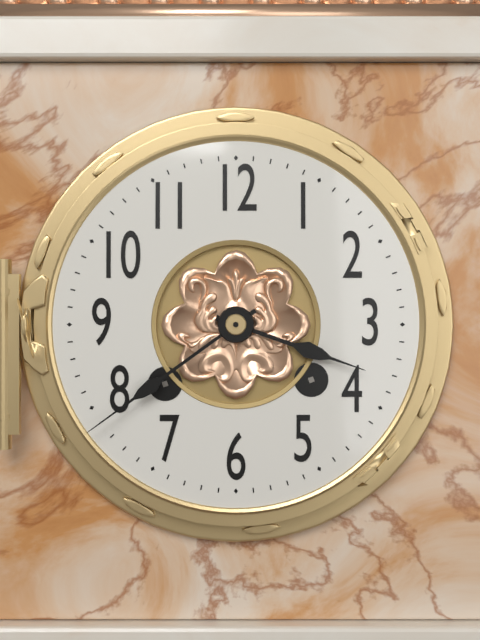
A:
3 h 39 min
